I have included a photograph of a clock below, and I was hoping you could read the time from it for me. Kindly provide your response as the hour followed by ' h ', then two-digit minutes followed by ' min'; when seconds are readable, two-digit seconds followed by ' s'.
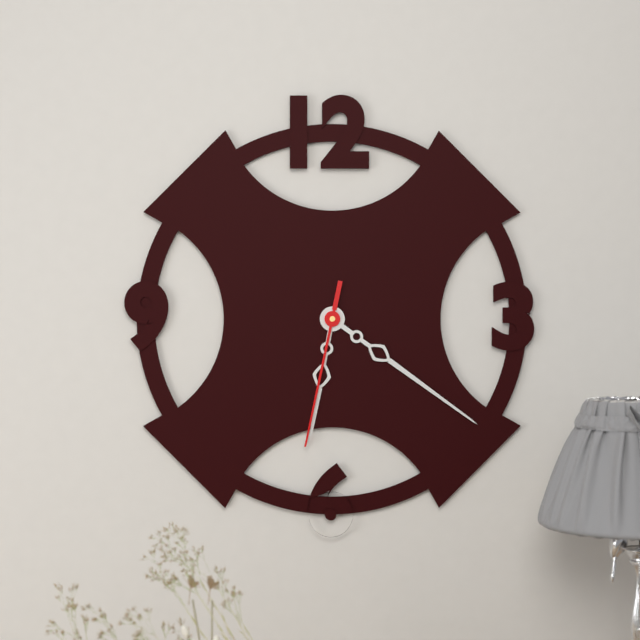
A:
6 h 21 min 32 s
